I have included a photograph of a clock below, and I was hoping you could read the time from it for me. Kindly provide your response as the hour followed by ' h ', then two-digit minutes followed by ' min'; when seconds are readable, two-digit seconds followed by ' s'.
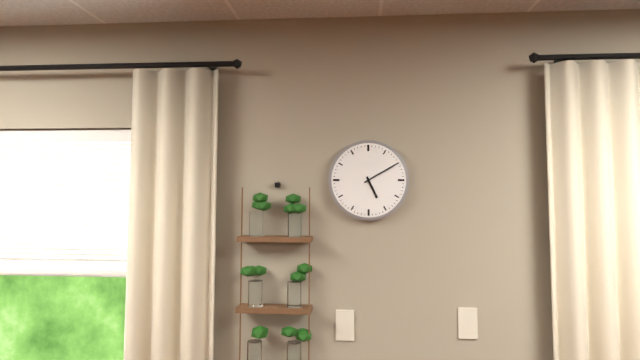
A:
5 h 10 min
